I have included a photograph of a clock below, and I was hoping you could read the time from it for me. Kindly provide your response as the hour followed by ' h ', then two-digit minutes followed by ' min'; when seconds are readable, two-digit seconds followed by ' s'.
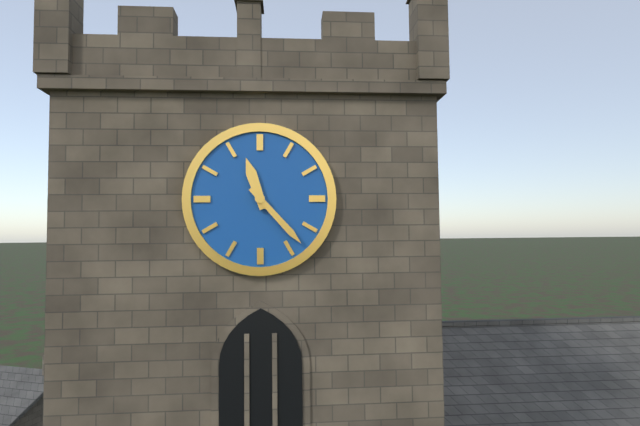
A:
11 h 23 min
